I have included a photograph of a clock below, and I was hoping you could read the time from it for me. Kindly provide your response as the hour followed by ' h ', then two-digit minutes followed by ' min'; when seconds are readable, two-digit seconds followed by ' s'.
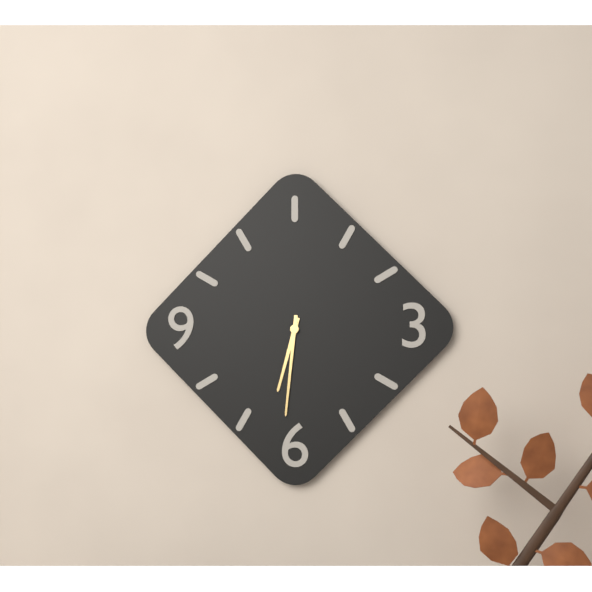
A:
6 h 31 min
